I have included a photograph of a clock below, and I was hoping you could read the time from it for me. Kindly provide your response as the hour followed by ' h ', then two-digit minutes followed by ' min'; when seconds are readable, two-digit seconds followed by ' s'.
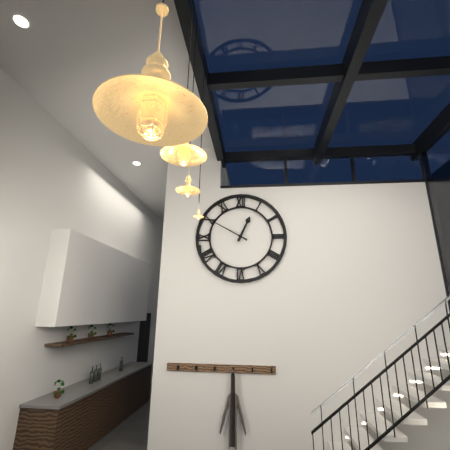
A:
12 h 50 min
